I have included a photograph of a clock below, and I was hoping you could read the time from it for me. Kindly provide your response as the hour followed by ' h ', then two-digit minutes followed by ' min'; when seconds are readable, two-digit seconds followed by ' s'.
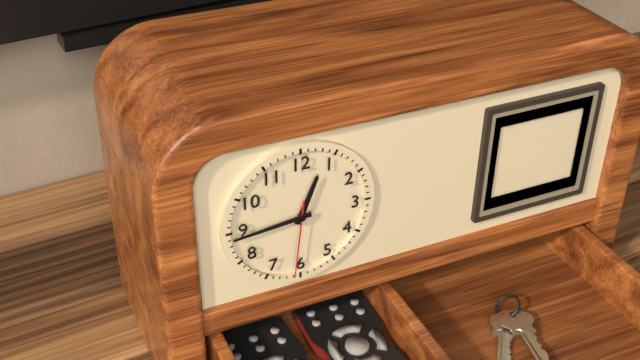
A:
12 h 44 min 31 s
